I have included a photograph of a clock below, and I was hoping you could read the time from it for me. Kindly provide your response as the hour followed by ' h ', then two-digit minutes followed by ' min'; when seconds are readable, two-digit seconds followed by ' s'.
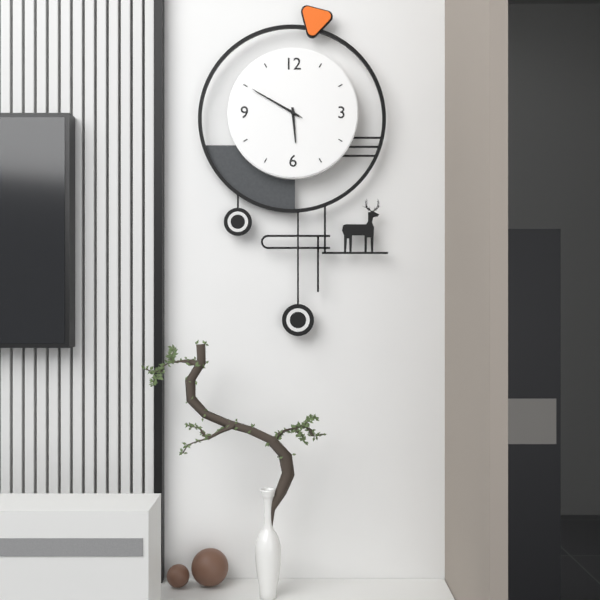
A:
5 h 50 min 50 s
